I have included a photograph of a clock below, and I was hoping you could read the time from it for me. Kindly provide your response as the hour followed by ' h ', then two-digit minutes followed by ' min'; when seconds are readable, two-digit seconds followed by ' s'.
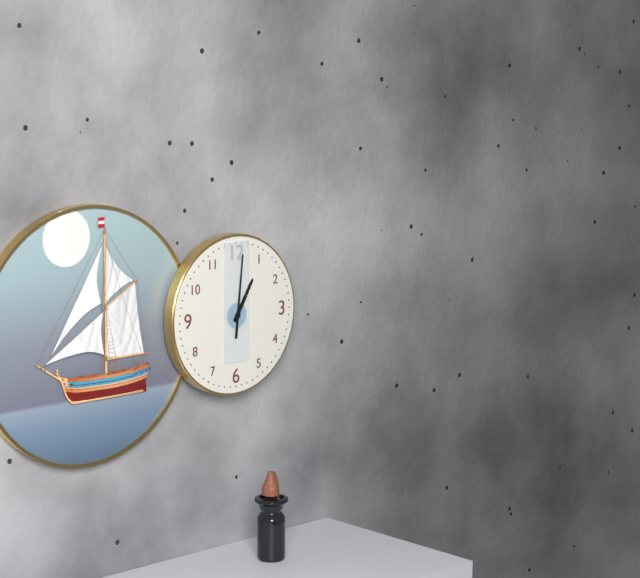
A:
1 h 01 min
